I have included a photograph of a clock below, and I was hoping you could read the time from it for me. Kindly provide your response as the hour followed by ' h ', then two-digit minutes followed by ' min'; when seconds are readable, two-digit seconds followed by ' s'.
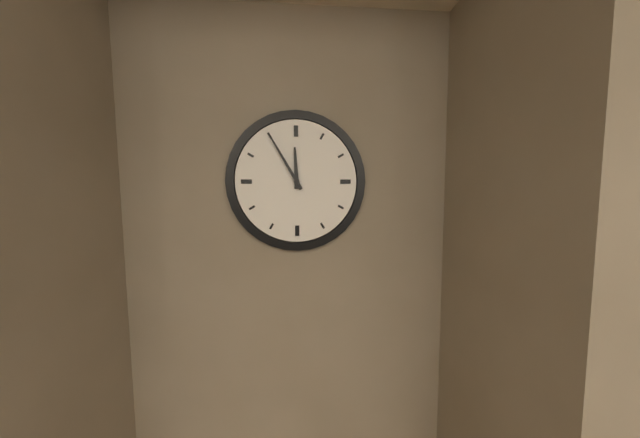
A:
11 h 55 min
